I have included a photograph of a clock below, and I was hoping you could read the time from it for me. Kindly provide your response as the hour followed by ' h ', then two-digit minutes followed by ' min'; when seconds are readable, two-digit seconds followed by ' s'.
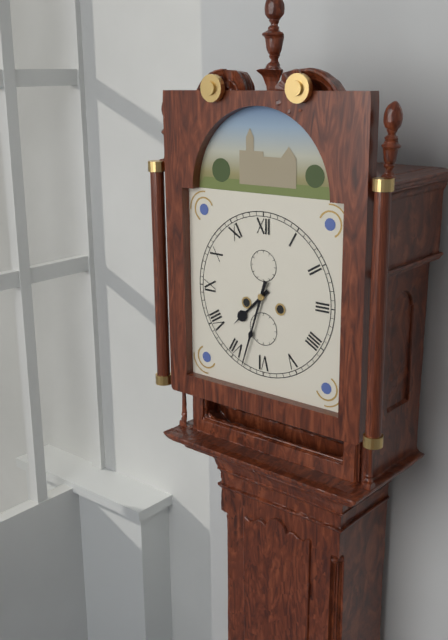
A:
7 h 33 min
